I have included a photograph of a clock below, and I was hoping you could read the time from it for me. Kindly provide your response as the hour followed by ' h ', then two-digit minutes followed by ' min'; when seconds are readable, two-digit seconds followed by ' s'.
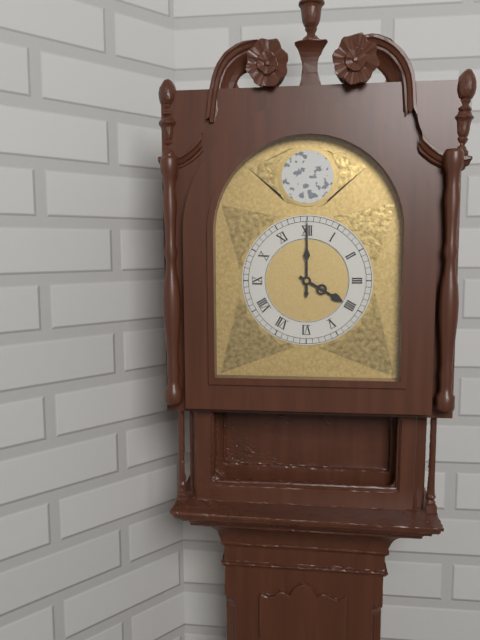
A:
4 h 00 min
